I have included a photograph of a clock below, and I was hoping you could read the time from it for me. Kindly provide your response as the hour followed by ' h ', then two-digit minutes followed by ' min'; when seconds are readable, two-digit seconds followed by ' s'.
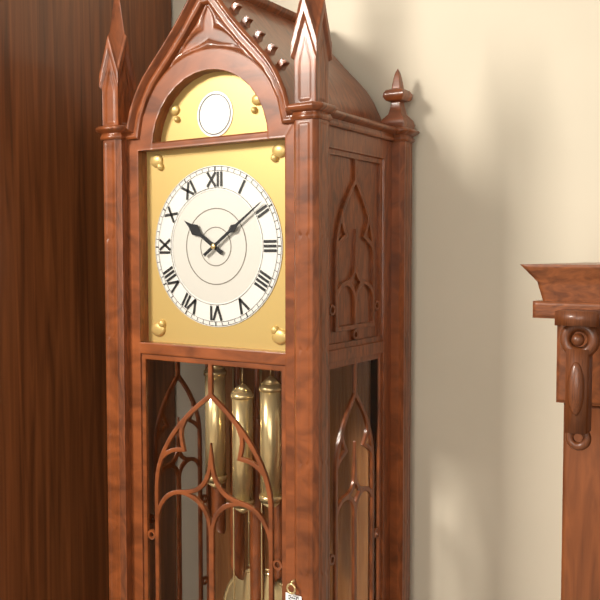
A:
10 h 09 min
